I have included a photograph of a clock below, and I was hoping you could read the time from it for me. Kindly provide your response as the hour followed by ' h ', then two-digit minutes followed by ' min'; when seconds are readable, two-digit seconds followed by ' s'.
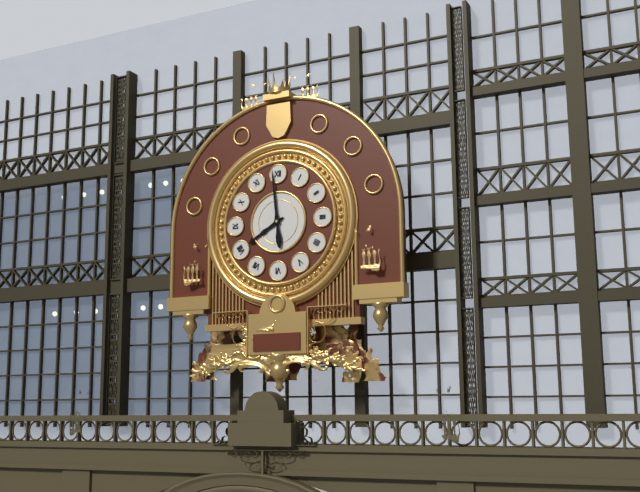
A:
7 h 59 min
